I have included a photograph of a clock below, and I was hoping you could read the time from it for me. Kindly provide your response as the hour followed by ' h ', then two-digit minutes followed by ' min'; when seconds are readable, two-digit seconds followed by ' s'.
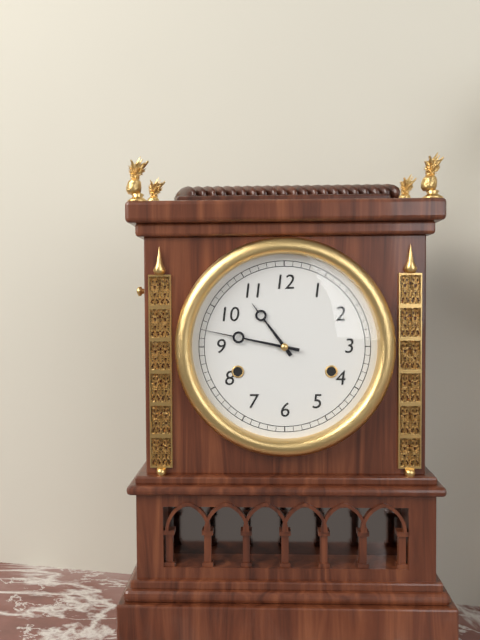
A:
10 h 47 min
